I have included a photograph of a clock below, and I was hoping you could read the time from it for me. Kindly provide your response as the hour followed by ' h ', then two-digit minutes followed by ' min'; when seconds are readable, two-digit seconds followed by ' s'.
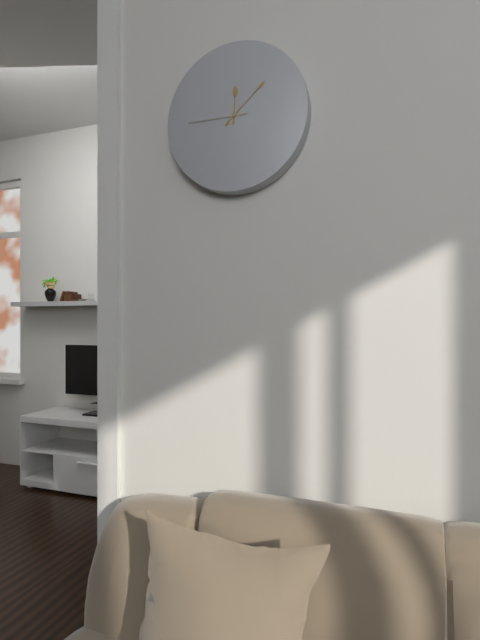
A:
12 h 08 min 45 s
